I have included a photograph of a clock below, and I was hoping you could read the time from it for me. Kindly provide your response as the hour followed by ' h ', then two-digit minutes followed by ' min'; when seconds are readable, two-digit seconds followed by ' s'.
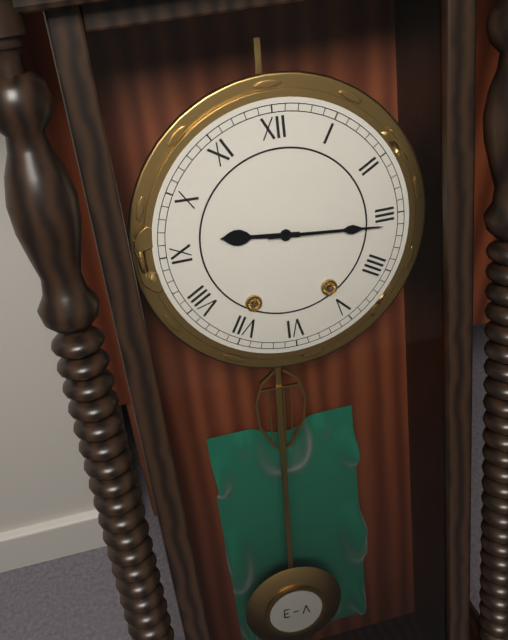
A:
9 h 16 min
